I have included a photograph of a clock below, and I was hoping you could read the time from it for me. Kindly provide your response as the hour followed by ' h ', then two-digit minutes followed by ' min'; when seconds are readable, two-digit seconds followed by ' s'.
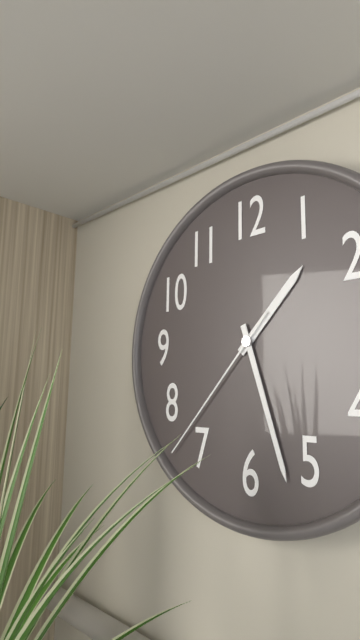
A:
1 h 27 min 37 s
